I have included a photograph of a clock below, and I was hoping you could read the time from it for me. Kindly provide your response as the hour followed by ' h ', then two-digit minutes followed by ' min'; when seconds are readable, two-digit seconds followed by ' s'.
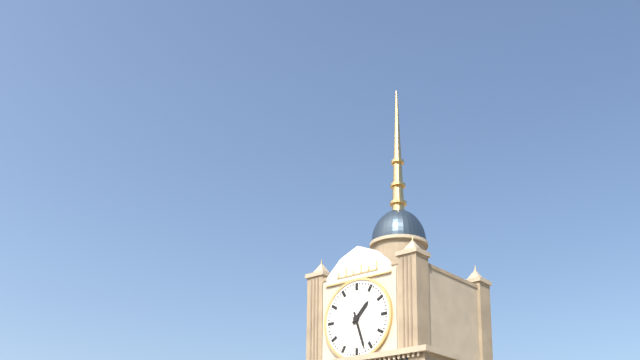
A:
1 h 27 min
